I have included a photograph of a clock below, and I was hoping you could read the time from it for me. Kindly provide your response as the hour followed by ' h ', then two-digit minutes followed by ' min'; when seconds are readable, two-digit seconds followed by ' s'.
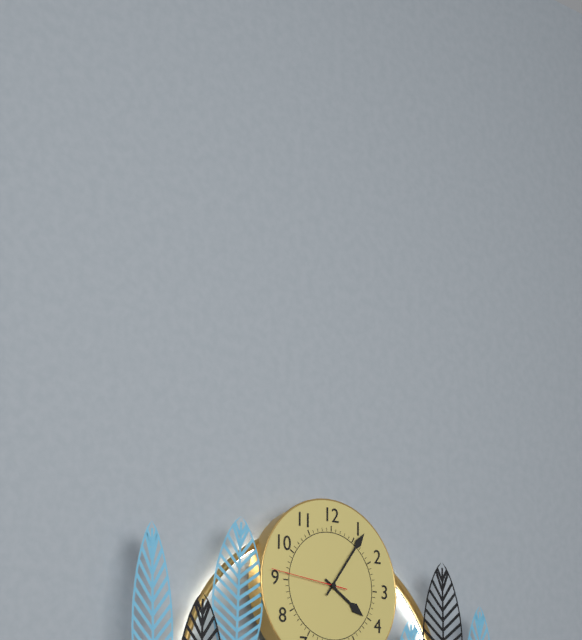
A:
4 h 06 min 46 s
